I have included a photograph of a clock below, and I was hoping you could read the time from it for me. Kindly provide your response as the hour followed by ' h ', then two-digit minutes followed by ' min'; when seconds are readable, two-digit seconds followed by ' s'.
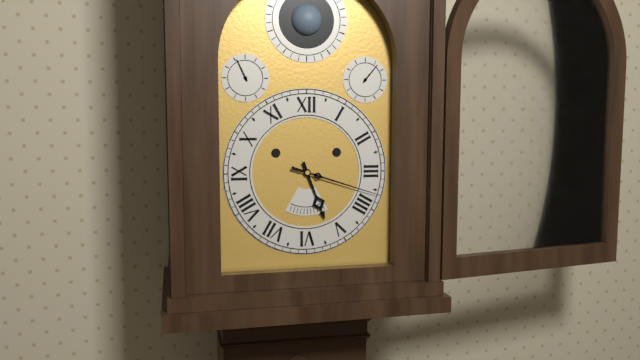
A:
5 h 18 min
